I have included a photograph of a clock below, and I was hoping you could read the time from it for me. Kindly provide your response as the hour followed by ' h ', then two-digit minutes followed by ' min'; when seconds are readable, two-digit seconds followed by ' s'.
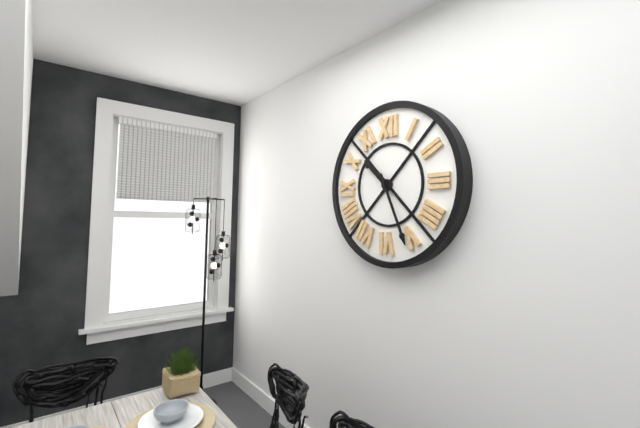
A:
10 h 26 min
